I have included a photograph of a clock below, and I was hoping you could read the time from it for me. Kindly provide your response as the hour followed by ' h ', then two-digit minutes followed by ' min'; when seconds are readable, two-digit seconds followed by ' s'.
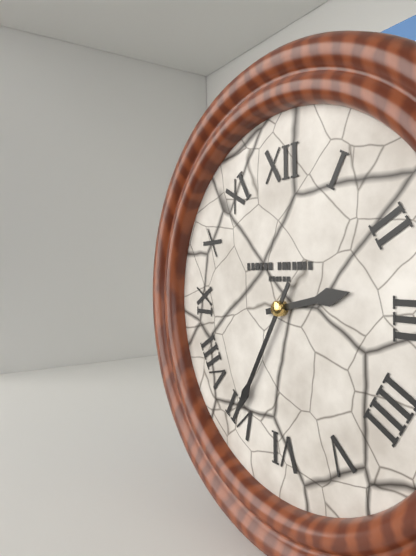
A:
2 h 35 min
